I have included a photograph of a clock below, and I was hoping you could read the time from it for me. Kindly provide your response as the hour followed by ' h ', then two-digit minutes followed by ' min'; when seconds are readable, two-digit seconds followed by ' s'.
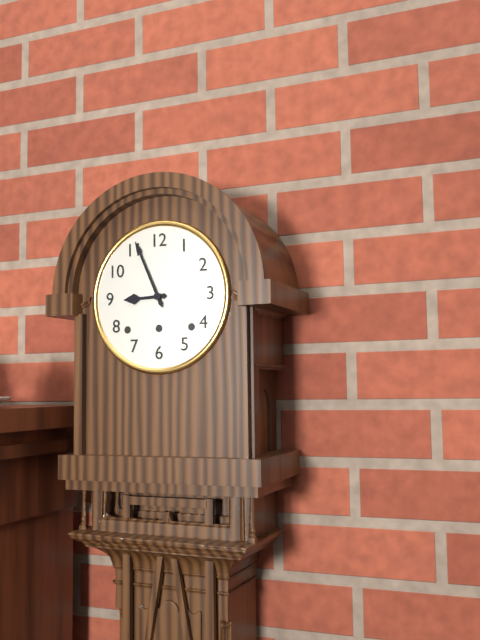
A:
8 h 56 min
